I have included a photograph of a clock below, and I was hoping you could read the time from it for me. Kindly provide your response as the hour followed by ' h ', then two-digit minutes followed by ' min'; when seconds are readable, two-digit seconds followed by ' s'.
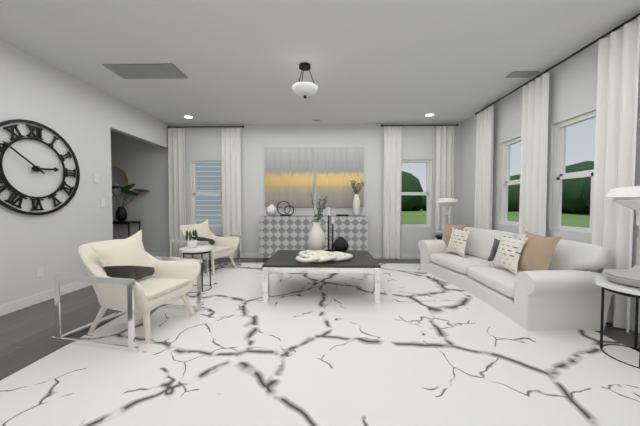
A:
2 h 51 min
